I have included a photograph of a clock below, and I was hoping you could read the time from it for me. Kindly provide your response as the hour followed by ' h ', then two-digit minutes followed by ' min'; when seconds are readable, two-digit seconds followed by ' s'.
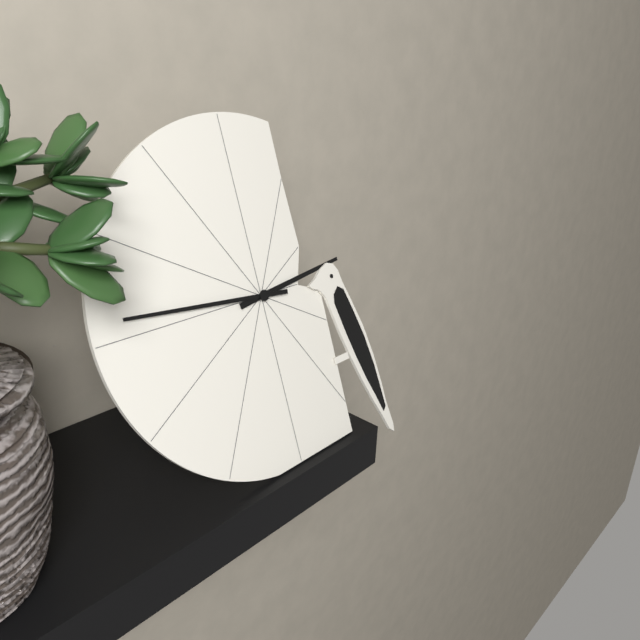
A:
2 h 46 min
